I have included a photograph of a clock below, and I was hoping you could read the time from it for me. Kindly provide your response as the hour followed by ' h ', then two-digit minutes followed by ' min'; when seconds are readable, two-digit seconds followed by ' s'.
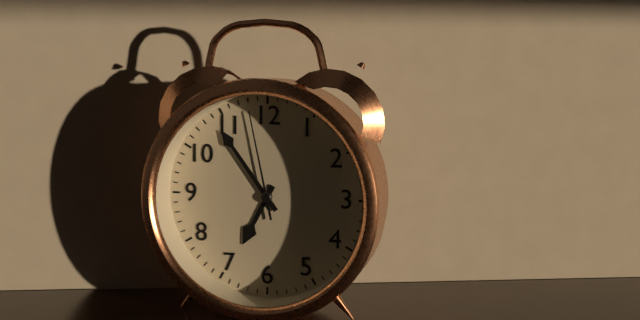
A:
6 h 54 min 58 s
